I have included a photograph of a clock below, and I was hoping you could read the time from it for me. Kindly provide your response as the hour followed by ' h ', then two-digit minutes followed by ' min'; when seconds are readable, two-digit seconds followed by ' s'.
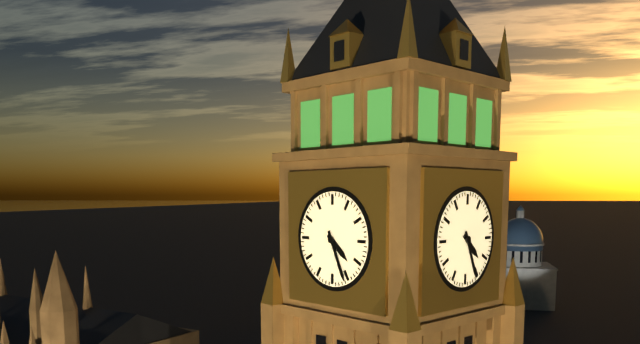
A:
4 h 26 min
